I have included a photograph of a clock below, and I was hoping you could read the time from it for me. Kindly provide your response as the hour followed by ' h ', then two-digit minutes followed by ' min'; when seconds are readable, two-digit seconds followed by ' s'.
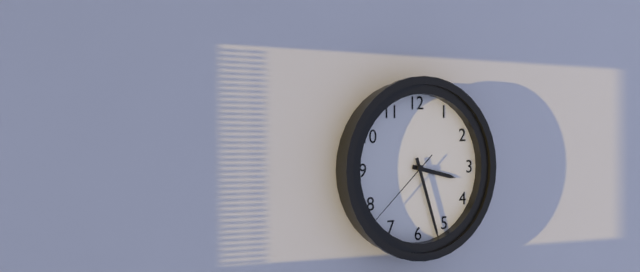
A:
3 h 27 min 38 s
